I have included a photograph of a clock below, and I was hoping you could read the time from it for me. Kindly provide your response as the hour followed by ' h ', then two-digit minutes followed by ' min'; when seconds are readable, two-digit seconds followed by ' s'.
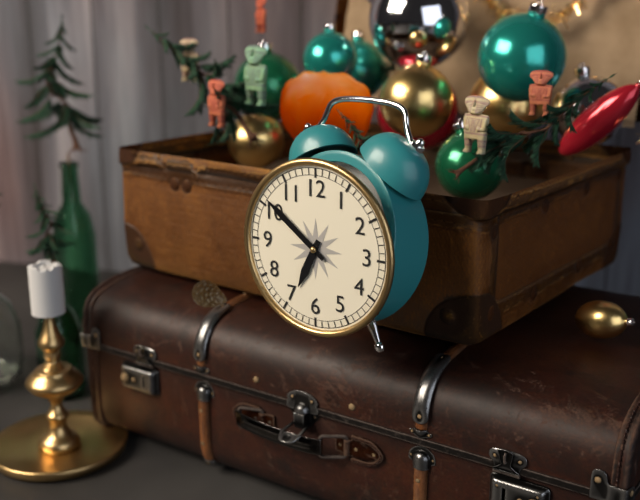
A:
6 h 51 min
